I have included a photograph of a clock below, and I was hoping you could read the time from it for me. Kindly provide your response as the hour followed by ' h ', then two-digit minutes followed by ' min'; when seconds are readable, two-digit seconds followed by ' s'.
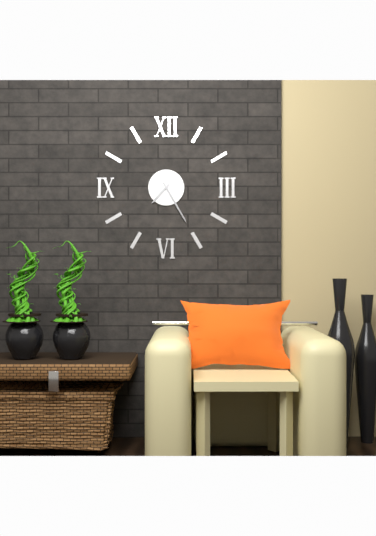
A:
7 h 25 min
